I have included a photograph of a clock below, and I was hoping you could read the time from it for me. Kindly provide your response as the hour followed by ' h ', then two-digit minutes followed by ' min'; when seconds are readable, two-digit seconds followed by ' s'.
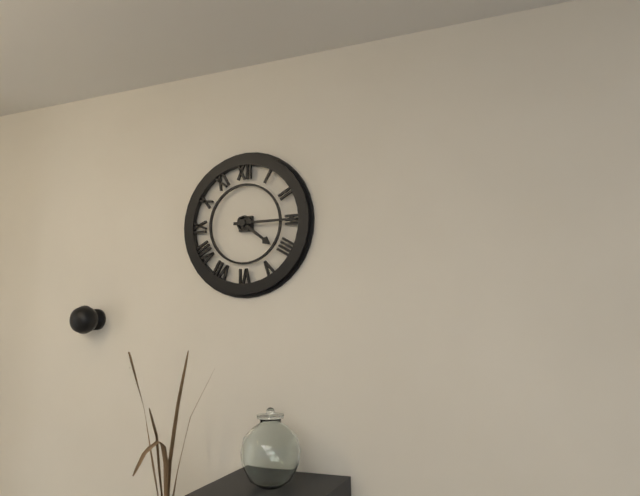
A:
4 h 15 min
